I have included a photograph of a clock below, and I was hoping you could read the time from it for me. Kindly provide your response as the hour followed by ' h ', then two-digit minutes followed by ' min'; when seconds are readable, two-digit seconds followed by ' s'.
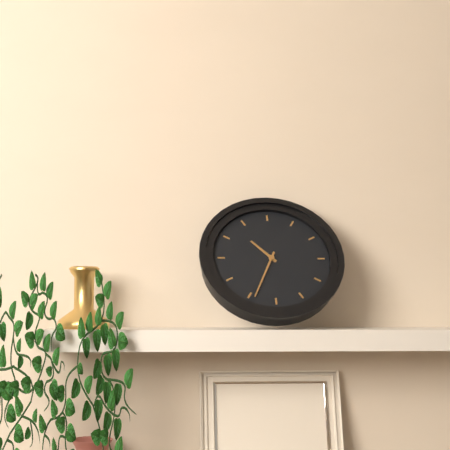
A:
10 h 34 min
